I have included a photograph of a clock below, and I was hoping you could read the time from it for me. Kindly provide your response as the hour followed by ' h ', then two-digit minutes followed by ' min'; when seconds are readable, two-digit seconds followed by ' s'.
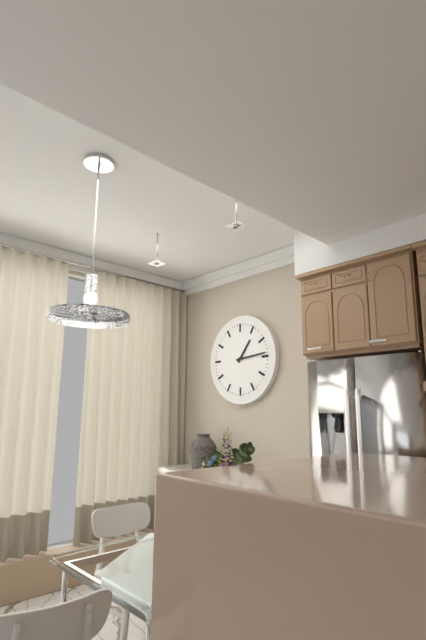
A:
1 h 14 min
